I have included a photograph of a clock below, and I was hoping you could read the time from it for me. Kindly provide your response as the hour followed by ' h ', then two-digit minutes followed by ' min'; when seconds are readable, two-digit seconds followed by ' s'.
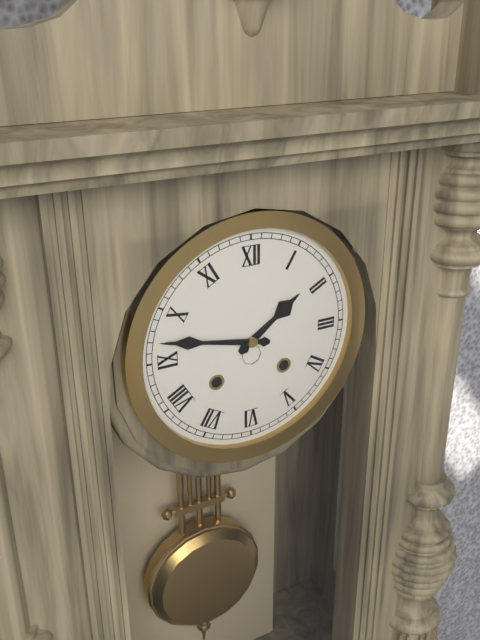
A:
1 h 47 min
